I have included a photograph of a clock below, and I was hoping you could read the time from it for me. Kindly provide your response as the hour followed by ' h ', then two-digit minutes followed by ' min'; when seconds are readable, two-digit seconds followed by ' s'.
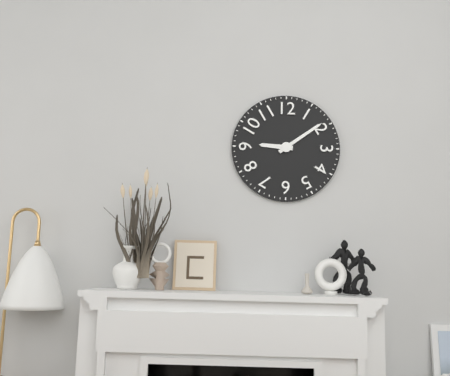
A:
9 h 09 min
